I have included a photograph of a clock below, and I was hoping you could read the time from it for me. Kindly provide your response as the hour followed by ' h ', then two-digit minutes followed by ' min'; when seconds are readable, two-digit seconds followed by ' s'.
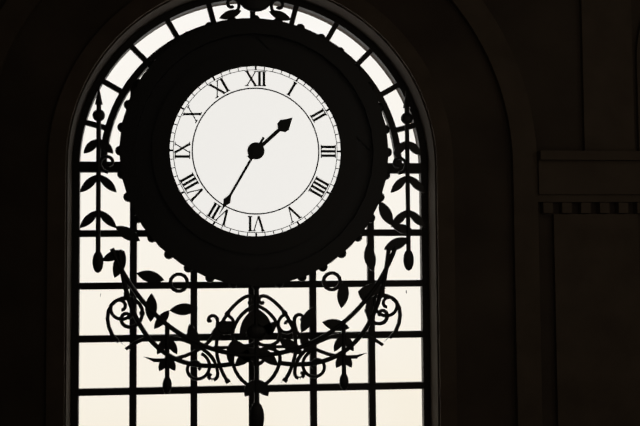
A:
1 h 35 min
